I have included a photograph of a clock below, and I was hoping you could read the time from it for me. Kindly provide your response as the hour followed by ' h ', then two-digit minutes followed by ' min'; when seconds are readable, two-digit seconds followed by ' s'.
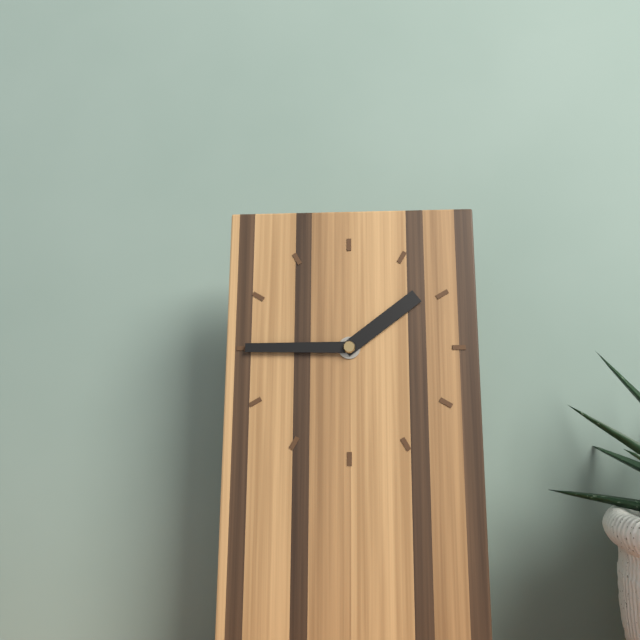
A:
1 h 45 min
